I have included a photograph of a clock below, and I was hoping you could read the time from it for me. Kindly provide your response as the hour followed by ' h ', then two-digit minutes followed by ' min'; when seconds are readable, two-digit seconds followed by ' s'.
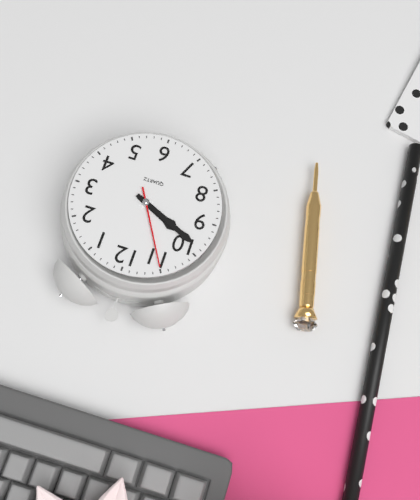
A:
9 h 49 min 55 s
